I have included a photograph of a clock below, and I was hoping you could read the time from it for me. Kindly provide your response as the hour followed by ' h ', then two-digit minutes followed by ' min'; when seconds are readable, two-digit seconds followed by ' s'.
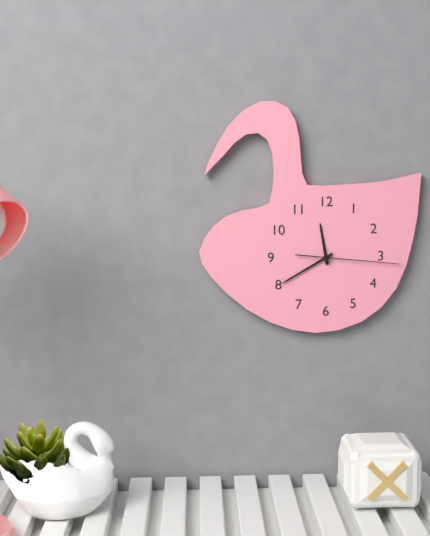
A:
11 h 40 min 16 s
